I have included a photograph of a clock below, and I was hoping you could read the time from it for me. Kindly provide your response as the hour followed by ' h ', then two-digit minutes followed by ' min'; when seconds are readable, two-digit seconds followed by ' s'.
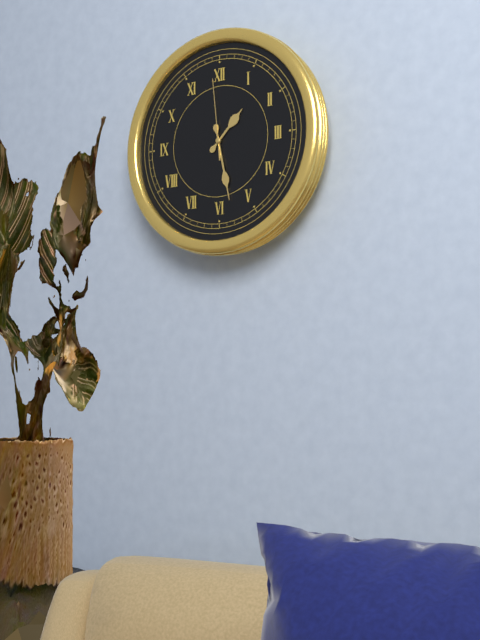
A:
1 h 28 min 59 s
